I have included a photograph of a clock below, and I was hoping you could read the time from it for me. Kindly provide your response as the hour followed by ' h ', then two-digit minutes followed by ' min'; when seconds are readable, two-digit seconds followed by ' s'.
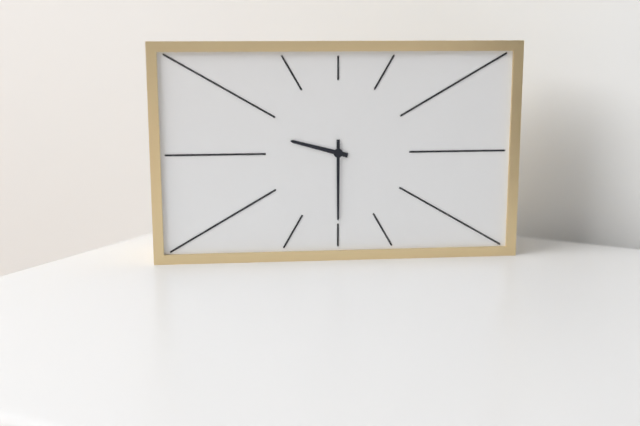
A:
9 h 30 min
